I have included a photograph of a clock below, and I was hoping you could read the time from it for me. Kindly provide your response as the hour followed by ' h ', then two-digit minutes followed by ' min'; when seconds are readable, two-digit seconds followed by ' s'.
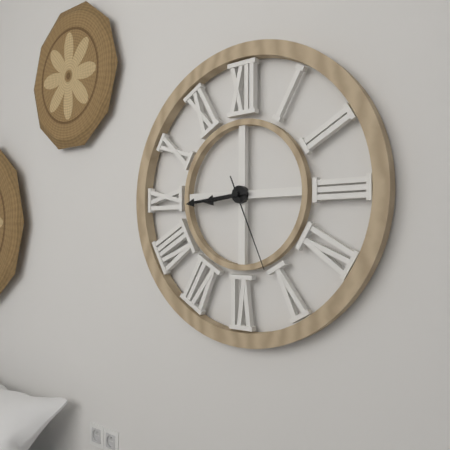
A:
8 h 44 min 26 s
